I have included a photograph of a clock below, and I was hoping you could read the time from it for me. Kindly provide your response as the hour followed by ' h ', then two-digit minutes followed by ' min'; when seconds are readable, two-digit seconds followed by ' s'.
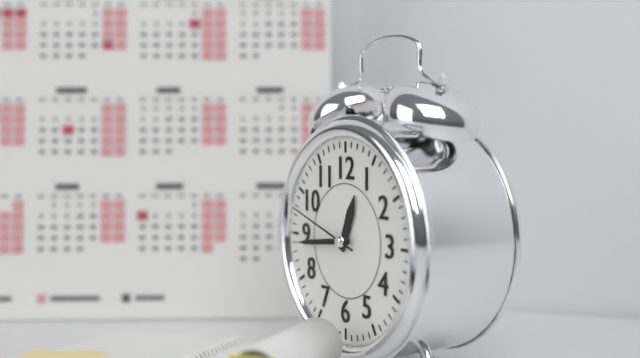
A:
12 h 44 min 48 s
